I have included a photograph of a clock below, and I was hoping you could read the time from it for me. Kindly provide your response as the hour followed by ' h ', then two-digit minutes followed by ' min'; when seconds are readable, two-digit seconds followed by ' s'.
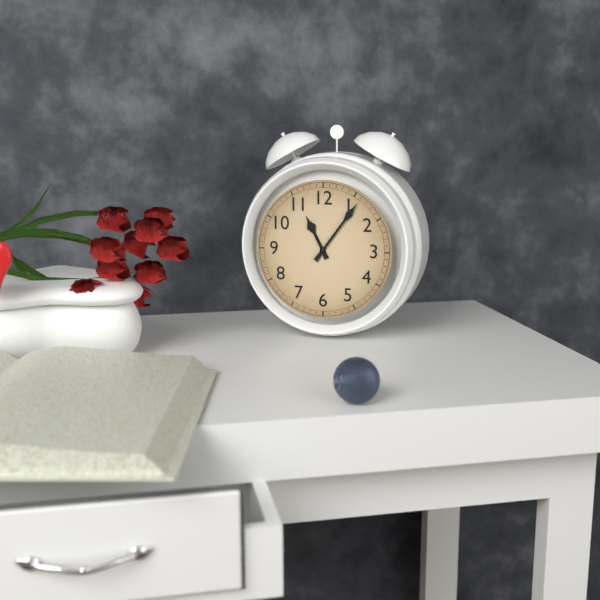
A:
11 h 06 min
